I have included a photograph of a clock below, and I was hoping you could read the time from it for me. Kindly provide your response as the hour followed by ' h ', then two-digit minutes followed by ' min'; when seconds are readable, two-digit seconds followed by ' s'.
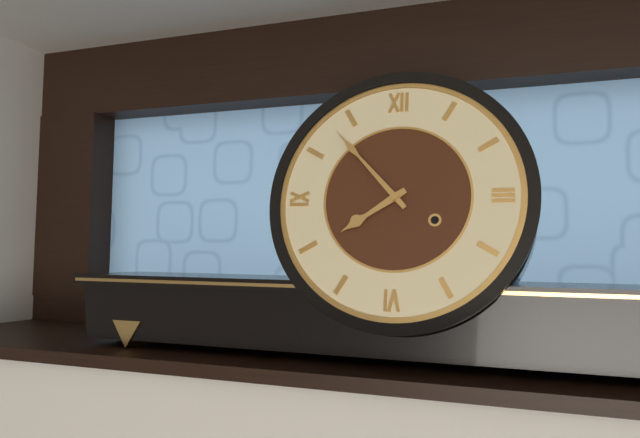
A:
7 h 53 min
